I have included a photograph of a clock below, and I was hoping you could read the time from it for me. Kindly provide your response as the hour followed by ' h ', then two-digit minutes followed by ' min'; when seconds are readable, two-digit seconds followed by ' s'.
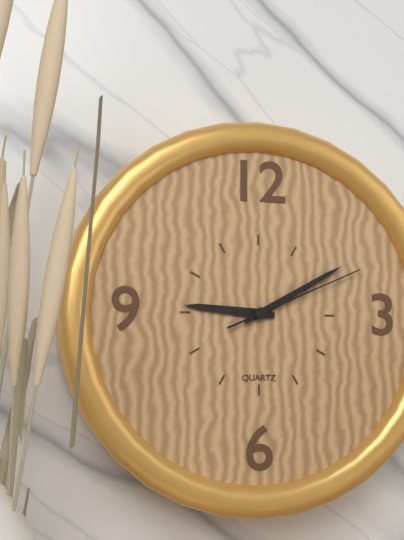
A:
9 h 10 min 11 s
